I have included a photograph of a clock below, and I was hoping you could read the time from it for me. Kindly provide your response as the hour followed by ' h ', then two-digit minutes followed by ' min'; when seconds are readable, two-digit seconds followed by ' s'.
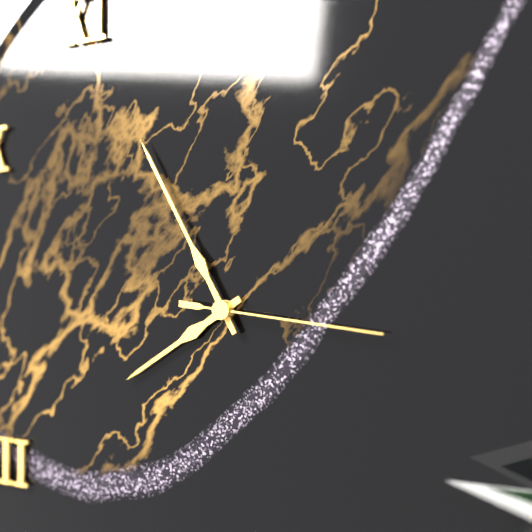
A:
7 h 55 min 16 s
